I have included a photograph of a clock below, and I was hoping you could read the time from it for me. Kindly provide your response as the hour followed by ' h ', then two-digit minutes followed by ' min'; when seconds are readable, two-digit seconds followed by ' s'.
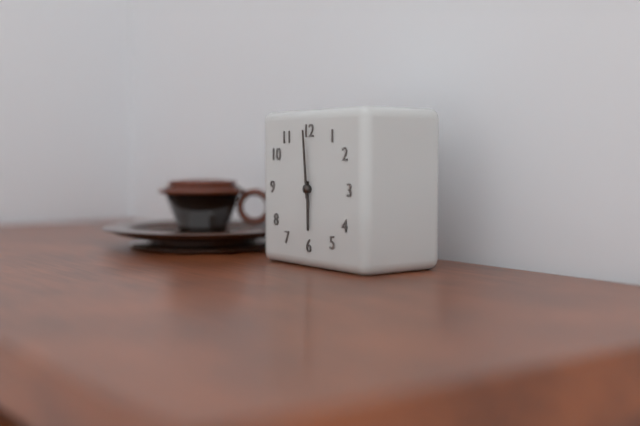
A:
5 h 59 min
